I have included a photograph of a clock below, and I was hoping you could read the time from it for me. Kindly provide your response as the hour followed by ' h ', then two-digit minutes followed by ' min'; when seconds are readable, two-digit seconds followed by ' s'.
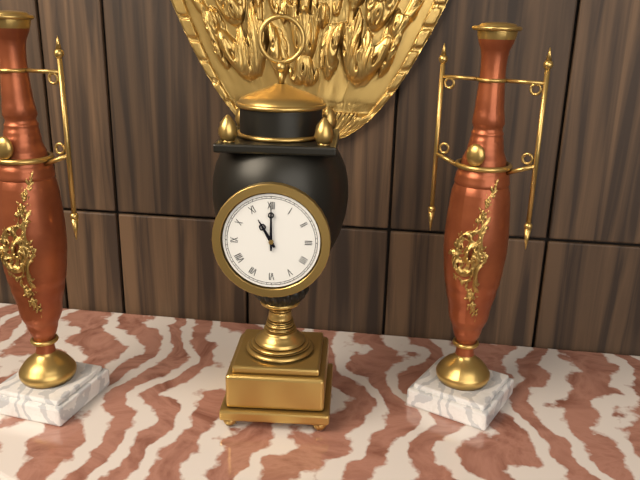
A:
11 h 00 min
